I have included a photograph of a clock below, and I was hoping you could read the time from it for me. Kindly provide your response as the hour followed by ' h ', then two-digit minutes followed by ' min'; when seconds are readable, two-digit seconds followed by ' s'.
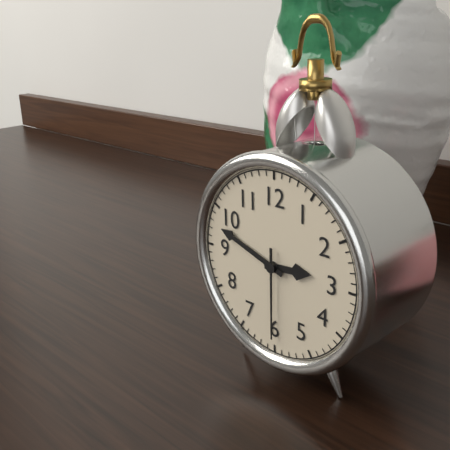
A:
2 h 48 min 30 s
